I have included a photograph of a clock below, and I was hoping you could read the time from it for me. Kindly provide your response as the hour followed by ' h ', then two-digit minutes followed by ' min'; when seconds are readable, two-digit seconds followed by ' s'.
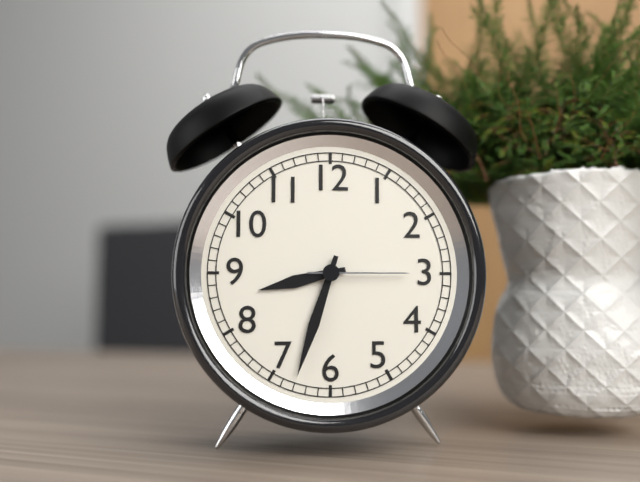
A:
8 h 33 min 15 s
